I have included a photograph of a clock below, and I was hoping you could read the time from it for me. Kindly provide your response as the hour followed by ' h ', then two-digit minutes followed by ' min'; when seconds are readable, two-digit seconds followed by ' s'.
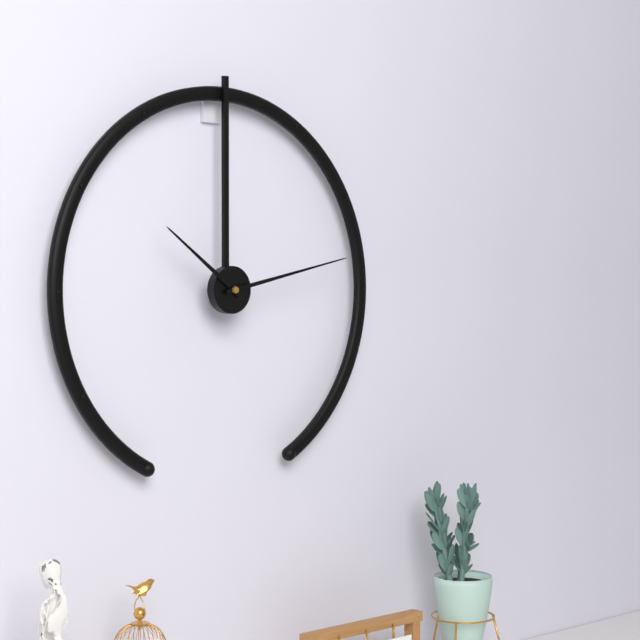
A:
10 h 13 min
